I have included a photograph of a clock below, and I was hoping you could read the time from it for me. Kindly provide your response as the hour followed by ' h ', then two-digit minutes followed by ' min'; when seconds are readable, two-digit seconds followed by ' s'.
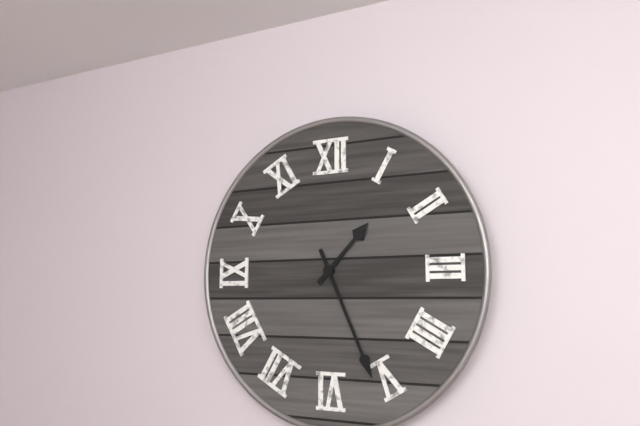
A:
1 h 26 min
